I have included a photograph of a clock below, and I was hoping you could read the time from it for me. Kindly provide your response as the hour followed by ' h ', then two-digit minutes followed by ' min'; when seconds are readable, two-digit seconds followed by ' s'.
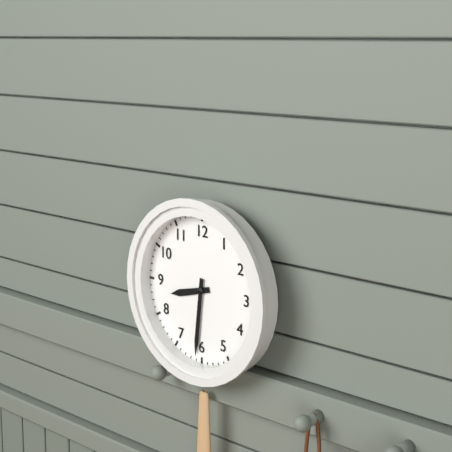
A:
8 h 31 min
